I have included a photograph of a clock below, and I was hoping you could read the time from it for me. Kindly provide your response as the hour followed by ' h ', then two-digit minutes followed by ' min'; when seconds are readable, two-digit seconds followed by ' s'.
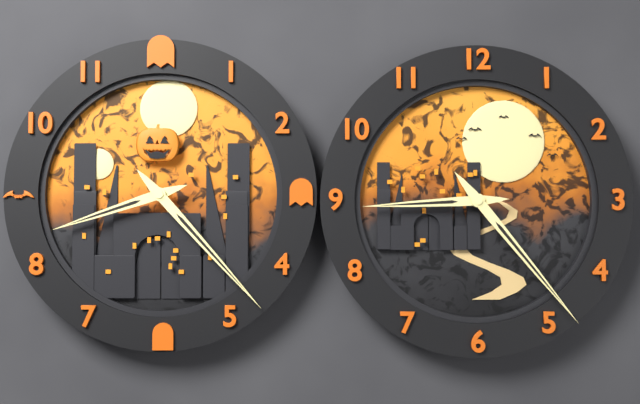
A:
8 h 23 min
